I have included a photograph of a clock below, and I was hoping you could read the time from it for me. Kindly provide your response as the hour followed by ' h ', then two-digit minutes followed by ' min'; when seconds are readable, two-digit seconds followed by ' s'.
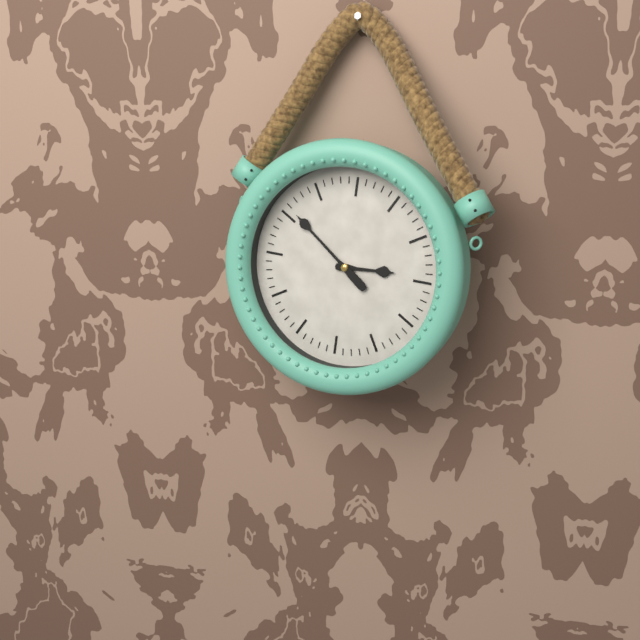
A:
2 h 51 min
